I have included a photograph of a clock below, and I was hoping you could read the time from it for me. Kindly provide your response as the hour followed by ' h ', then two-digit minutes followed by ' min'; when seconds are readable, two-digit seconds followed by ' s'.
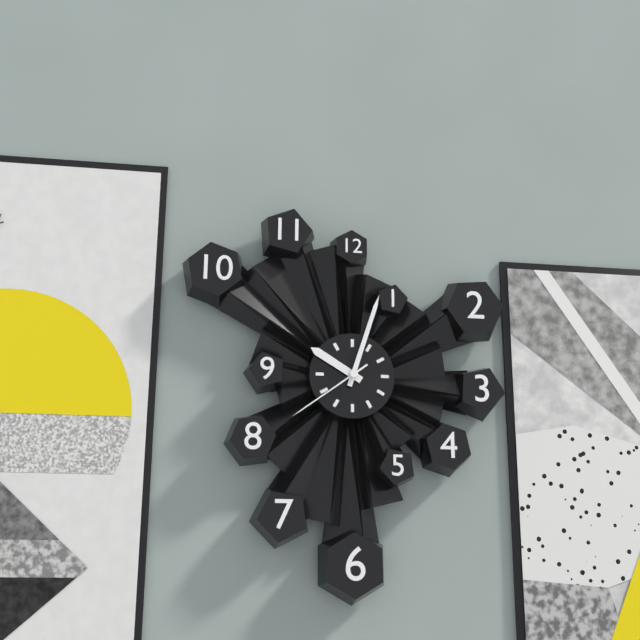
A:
10 h 03 min 39 s
